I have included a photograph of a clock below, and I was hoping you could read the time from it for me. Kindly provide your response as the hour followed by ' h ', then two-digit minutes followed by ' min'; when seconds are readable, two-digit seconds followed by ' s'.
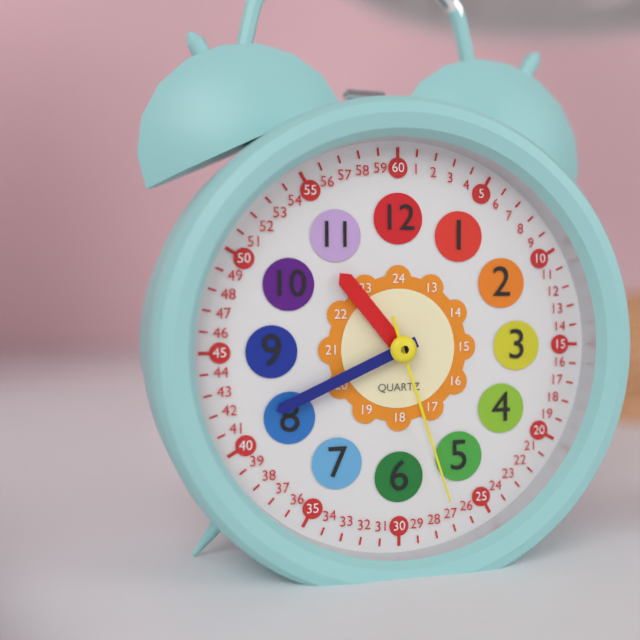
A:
10 h 41 min 27 s
